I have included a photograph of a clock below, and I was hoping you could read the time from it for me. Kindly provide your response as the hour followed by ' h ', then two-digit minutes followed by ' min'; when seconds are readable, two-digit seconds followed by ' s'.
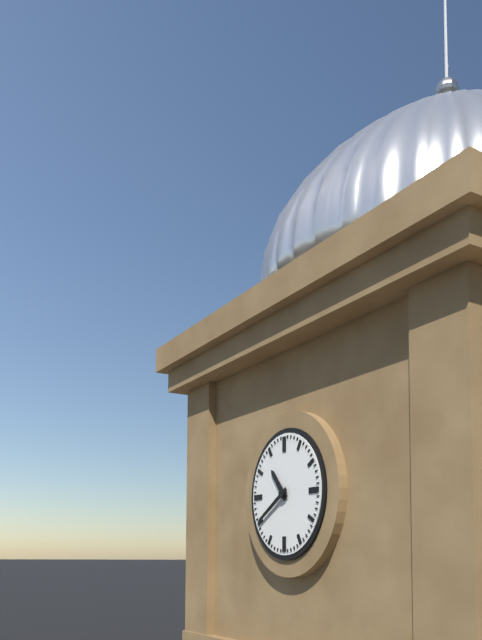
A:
10 h 40 min
